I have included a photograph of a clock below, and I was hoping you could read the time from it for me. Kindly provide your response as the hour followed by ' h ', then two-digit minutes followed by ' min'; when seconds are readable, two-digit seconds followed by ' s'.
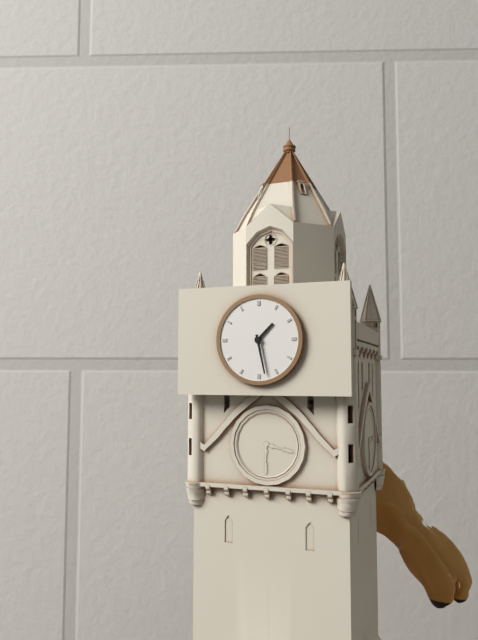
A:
1 h 28 min
